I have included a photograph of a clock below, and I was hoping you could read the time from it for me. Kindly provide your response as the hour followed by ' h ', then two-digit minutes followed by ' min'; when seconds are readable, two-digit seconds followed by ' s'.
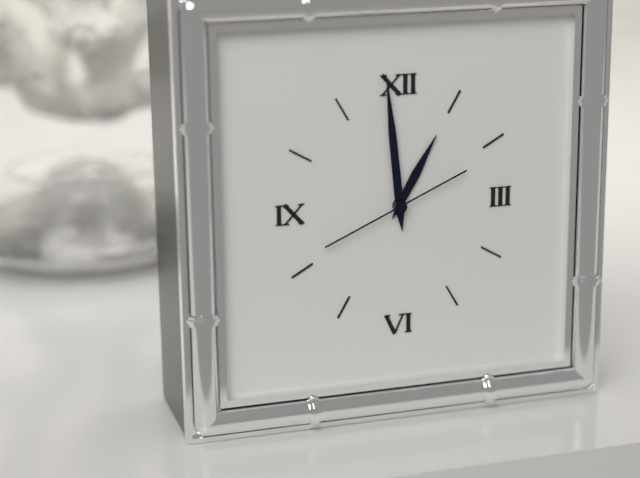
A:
12 h 59 min 41 s
